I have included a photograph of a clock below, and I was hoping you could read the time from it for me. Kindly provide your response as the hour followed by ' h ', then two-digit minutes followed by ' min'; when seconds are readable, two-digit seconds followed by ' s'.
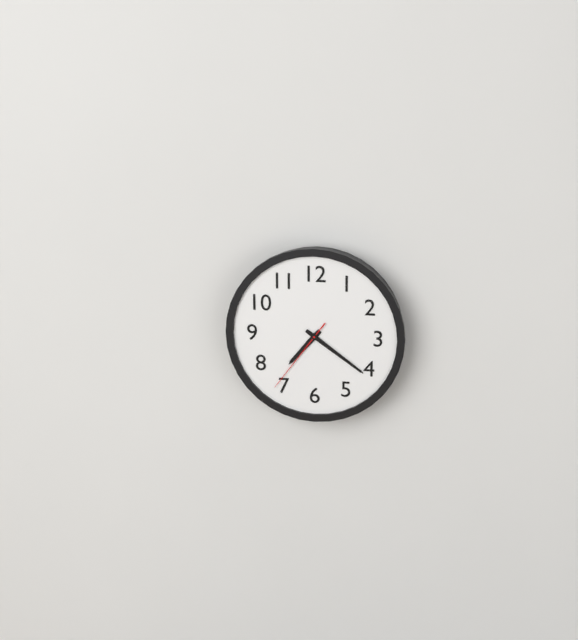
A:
7 h 21 min 36 s
